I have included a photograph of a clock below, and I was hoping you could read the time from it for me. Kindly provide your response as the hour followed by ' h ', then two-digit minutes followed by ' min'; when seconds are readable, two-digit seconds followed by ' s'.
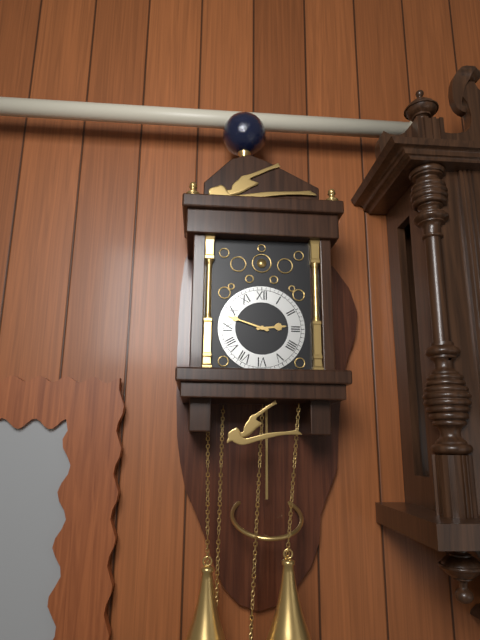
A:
2 h 48 min
